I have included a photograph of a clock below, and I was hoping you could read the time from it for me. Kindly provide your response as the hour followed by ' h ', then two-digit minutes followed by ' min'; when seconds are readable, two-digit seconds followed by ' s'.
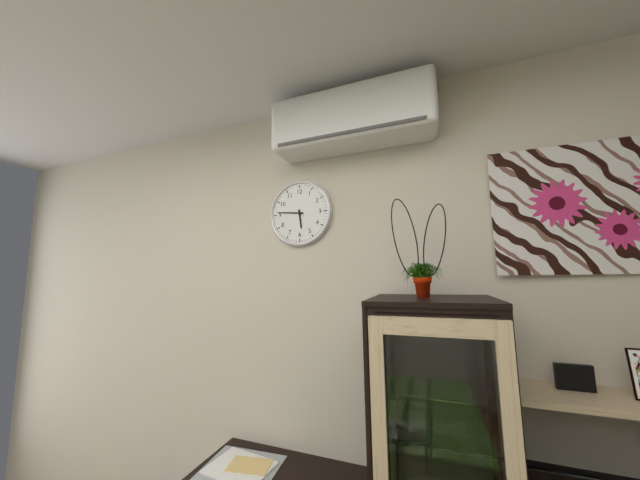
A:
5 h 46 min
